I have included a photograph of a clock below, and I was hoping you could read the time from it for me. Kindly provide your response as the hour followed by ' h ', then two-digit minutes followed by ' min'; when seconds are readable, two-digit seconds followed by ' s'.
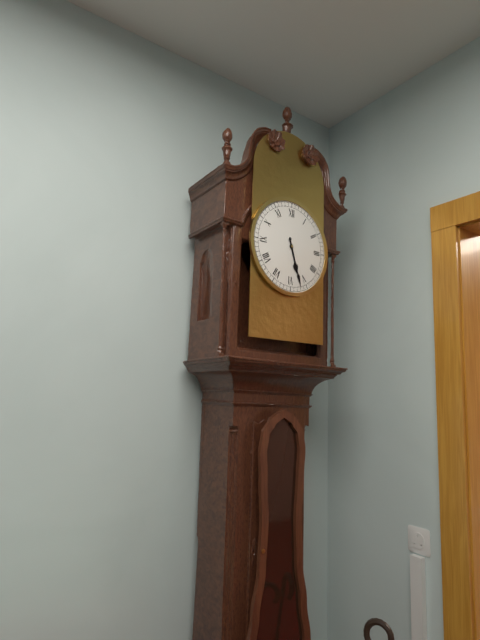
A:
5 h 27 min
